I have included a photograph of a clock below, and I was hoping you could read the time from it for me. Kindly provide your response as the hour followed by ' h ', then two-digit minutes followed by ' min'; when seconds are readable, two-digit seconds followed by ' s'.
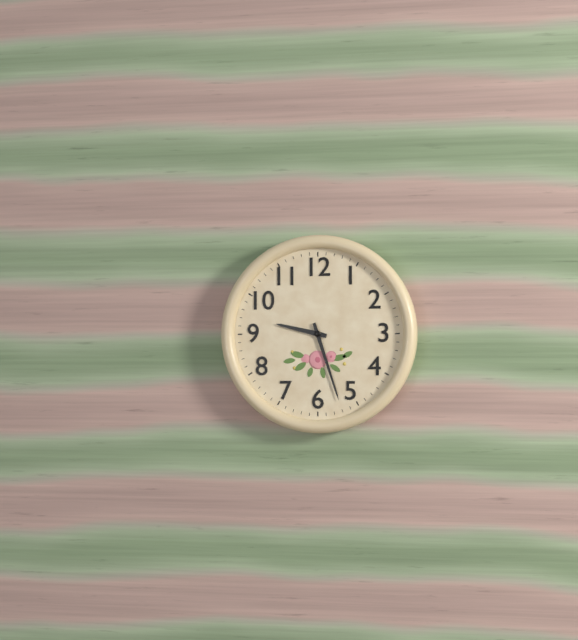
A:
9 h 27 min
